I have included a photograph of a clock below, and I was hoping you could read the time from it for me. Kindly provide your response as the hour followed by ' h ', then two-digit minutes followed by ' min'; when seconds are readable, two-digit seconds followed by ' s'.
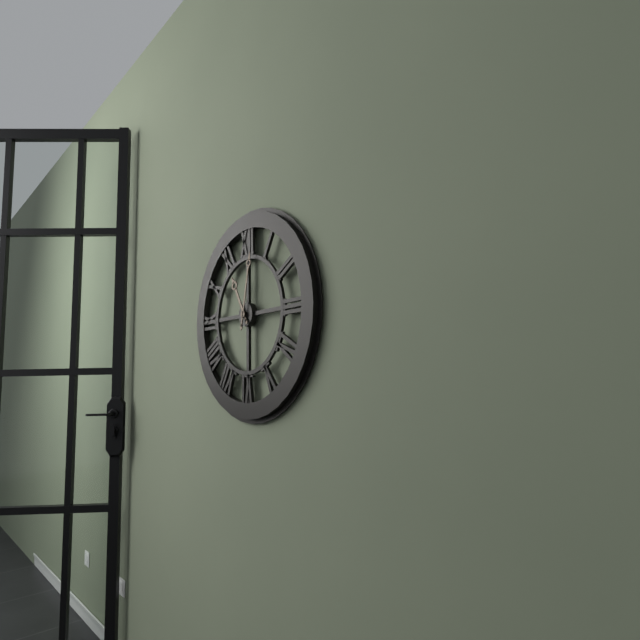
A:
11 h 02 min
